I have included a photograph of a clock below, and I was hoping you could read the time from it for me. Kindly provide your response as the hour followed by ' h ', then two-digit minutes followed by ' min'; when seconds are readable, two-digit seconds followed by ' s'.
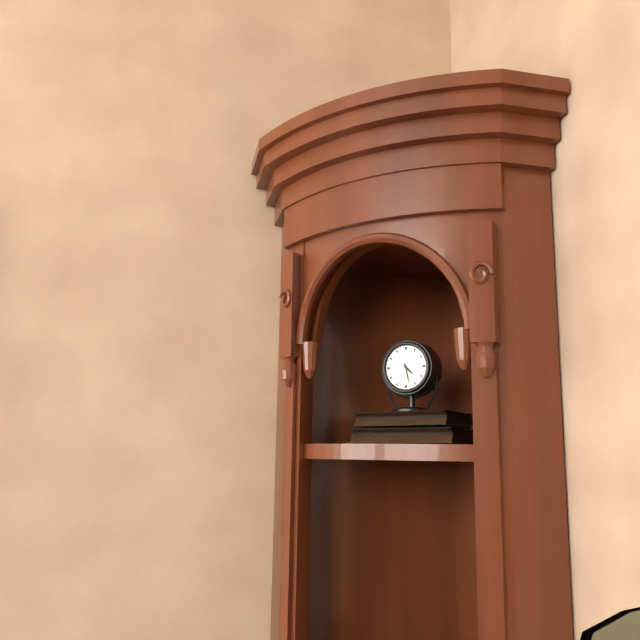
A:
4 h 28 min
